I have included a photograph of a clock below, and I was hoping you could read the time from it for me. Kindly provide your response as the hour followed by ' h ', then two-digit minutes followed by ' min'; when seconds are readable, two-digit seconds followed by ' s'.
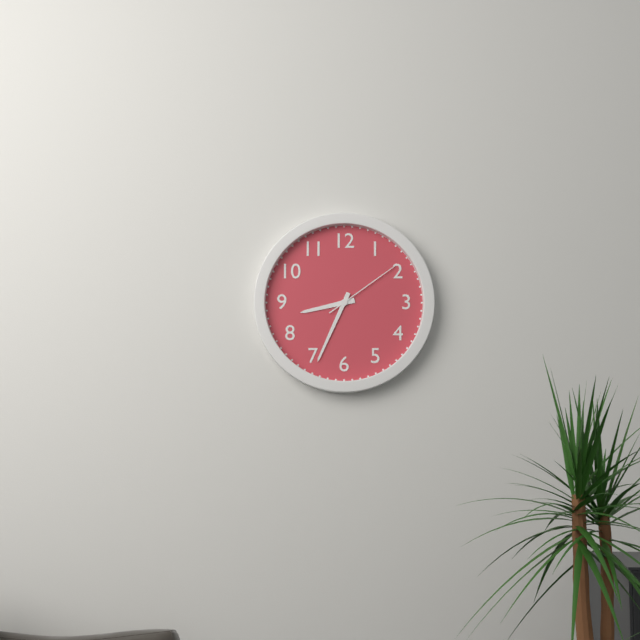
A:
8 h 34 min 09 s
